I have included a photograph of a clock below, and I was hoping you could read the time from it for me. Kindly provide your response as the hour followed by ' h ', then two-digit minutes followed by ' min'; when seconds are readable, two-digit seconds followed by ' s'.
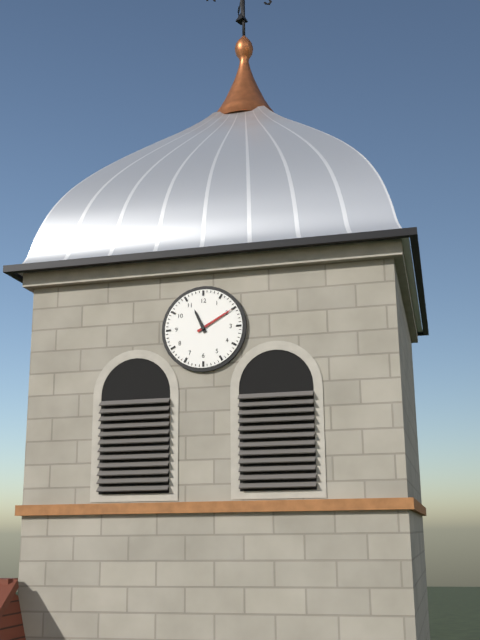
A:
11 h 10 min
